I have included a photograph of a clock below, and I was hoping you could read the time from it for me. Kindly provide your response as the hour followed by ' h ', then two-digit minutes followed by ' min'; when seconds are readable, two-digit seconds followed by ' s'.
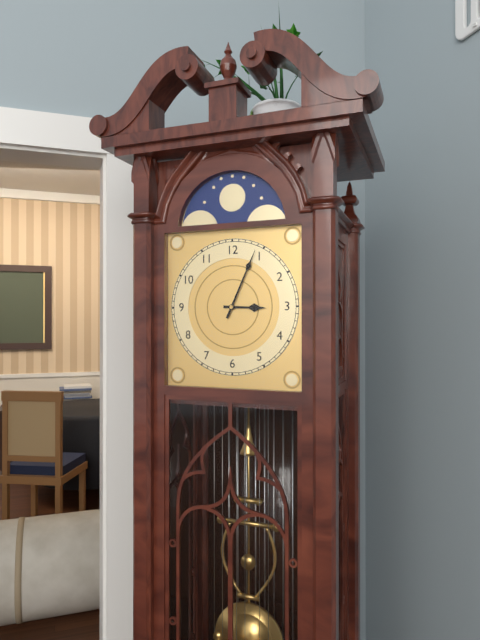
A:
3 h 04 min
